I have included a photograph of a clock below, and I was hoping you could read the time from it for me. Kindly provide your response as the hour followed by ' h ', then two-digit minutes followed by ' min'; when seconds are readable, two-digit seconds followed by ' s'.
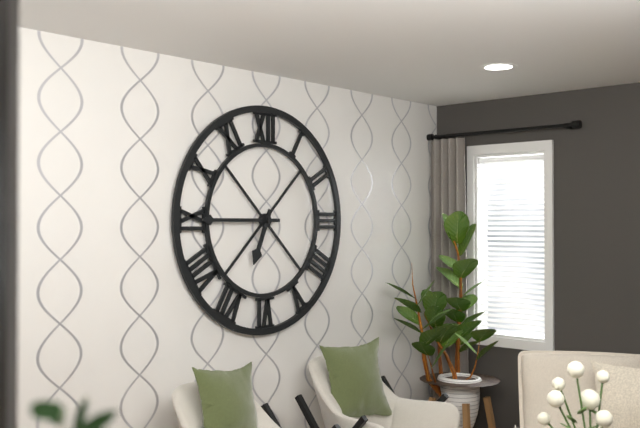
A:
6 h 45 min
